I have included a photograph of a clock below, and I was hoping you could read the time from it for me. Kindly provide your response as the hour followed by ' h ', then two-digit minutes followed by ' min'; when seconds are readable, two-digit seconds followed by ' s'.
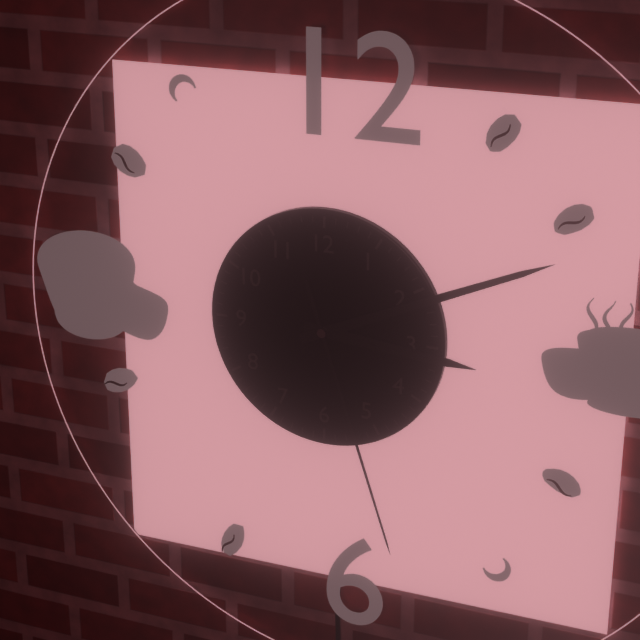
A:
3 h 11 min 27 s
